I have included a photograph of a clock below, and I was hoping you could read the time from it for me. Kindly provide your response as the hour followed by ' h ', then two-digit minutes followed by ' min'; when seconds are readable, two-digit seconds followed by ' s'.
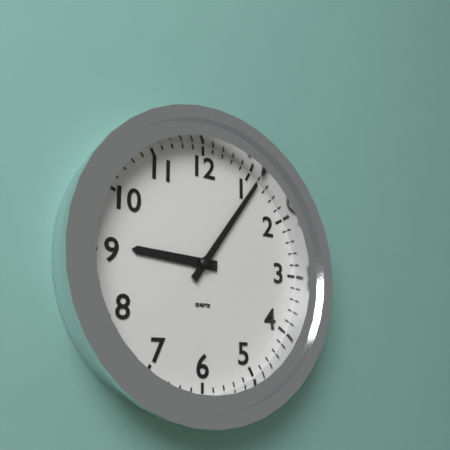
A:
9 h 06 min
